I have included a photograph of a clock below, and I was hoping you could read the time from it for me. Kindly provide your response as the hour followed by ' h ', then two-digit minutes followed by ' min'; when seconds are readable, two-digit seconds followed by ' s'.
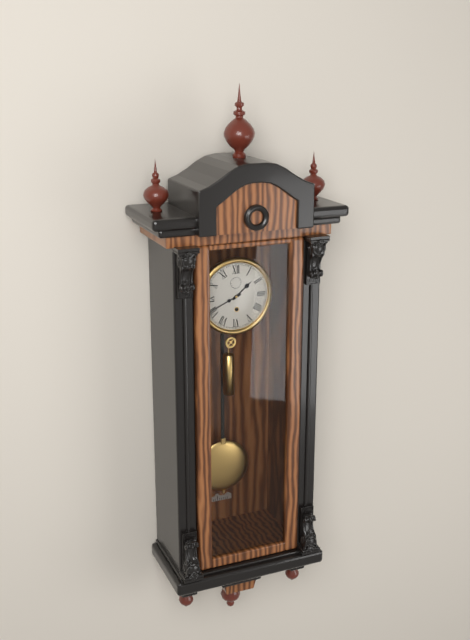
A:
1 h 41 min
